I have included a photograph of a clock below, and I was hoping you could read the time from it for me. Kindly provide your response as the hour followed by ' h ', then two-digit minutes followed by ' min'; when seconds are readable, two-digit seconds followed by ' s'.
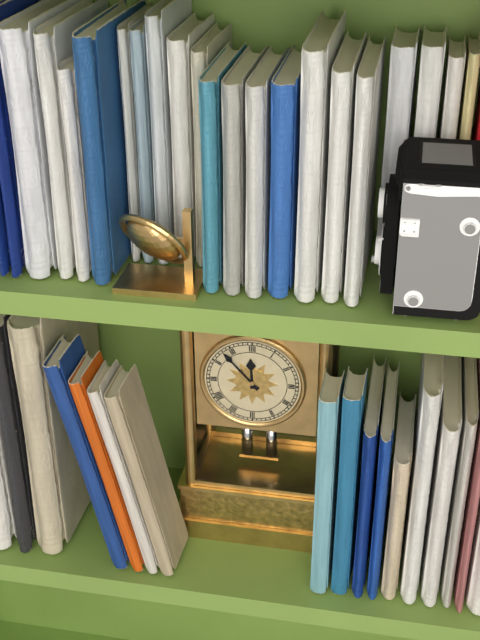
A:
11 h 53 min
